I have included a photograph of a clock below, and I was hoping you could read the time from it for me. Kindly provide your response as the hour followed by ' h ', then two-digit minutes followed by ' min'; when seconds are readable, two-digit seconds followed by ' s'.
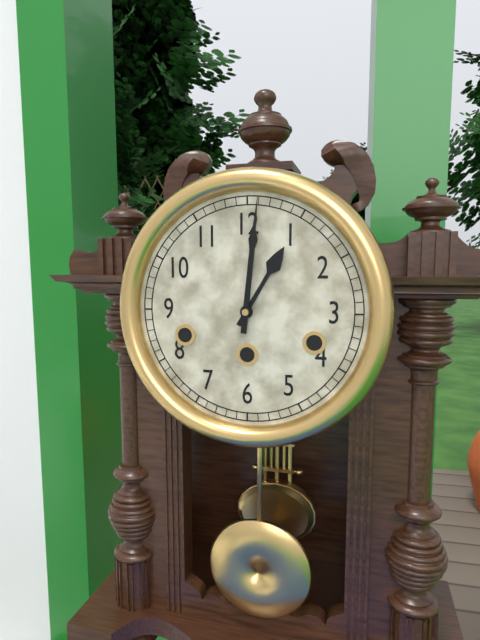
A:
1 h 01 min
